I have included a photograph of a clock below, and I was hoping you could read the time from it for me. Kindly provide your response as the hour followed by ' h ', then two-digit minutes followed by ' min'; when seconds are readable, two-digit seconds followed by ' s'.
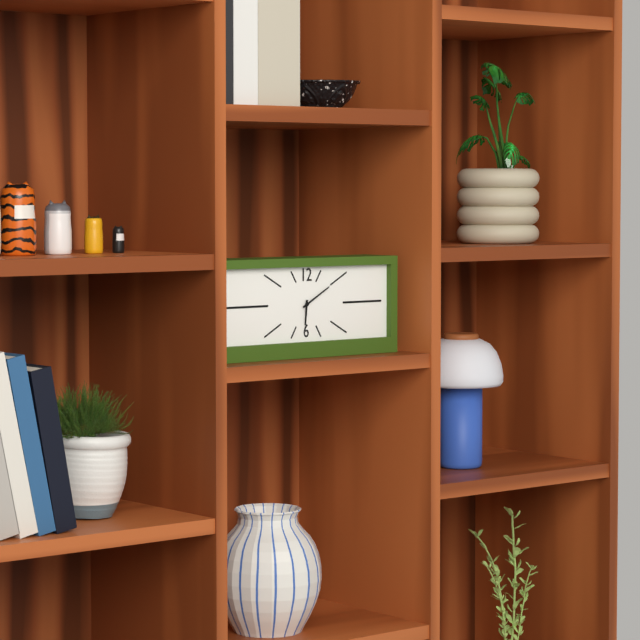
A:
6 h 10 min
